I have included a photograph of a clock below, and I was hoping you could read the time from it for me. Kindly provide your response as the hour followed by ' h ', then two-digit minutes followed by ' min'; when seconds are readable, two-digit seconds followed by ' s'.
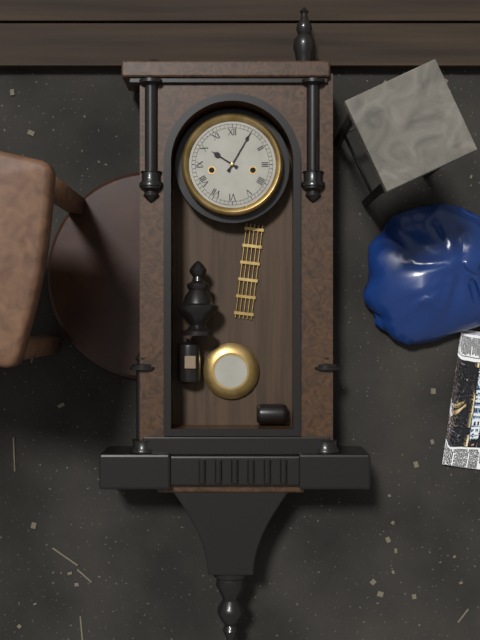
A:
10 h 05 min
